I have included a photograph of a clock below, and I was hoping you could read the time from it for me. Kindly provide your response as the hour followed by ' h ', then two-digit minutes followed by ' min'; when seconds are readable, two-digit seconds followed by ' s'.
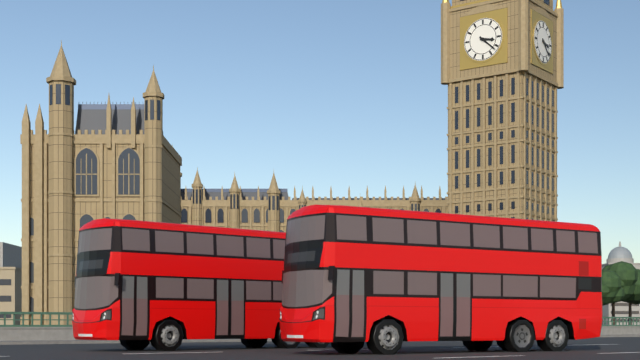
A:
3 h 22 min
